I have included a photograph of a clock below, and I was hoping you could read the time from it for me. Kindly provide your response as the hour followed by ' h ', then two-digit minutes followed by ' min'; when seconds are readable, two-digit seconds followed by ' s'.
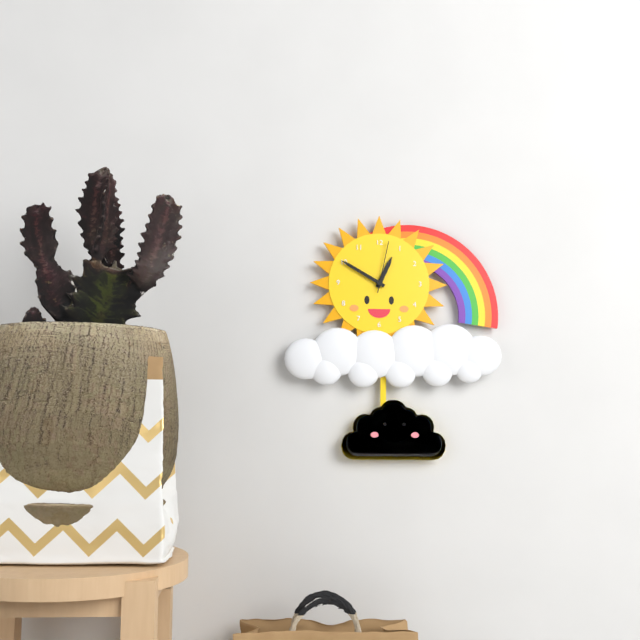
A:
12 h 50 min 02 s
